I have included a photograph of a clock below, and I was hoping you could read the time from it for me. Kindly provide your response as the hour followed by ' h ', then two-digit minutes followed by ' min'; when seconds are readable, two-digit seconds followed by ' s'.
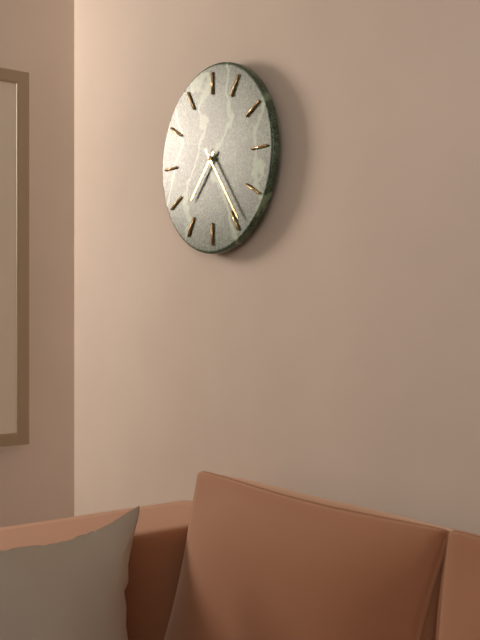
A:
7 h 24 min
